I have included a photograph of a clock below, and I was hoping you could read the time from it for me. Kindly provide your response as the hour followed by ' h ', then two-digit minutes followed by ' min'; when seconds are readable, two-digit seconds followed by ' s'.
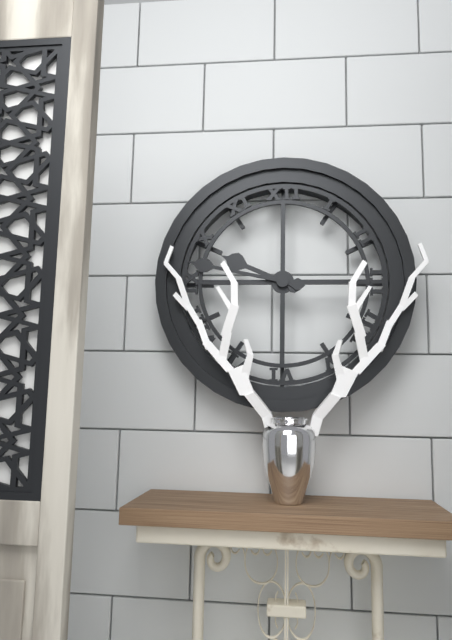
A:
9 h 47 min
